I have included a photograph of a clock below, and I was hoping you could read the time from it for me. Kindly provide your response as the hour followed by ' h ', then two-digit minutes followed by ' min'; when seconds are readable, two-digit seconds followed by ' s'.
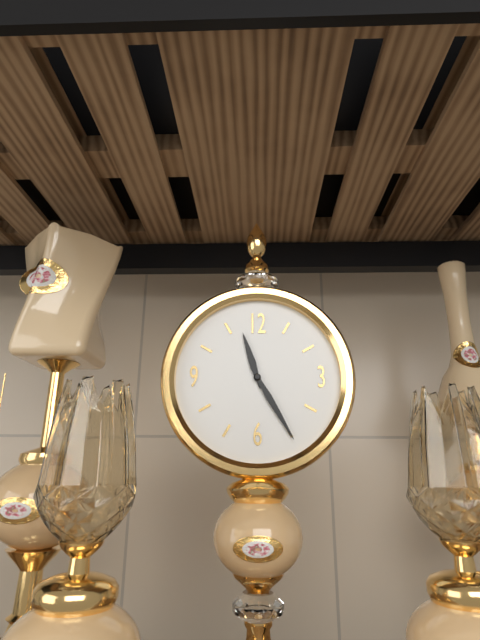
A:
11 h 25 min
